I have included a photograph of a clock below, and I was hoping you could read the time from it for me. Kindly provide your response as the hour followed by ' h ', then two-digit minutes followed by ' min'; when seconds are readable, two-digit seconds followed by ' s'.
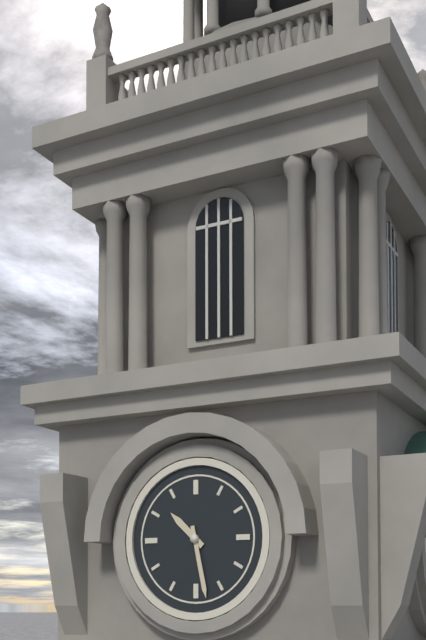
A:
10 h 28 min
